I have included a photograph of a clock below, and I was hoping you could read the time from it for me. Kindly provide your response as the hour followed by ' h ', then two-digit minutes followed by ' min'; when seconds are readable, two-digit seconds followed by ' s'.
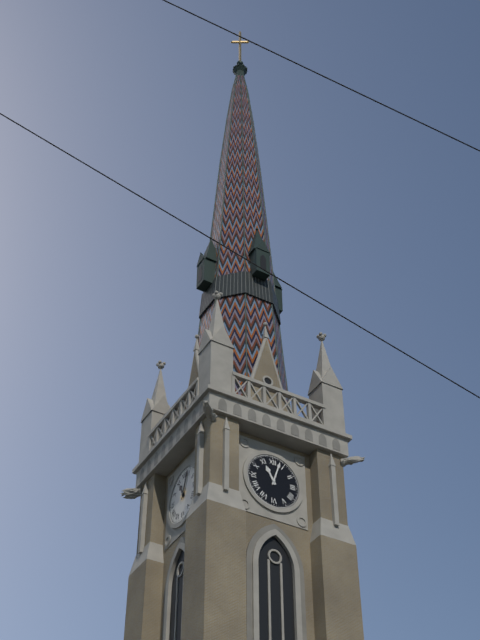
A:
11 h 03 min
